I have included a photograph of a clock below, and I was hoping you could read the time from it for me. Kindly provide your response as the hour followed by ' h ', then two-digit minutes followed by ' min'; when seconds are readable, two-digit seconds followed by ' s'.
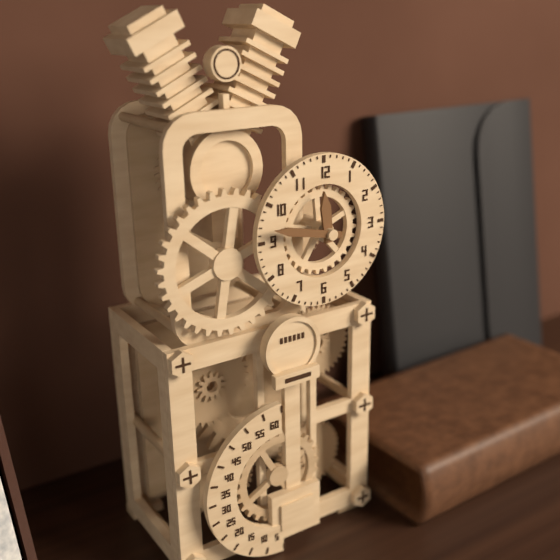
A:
11 h 47 min
